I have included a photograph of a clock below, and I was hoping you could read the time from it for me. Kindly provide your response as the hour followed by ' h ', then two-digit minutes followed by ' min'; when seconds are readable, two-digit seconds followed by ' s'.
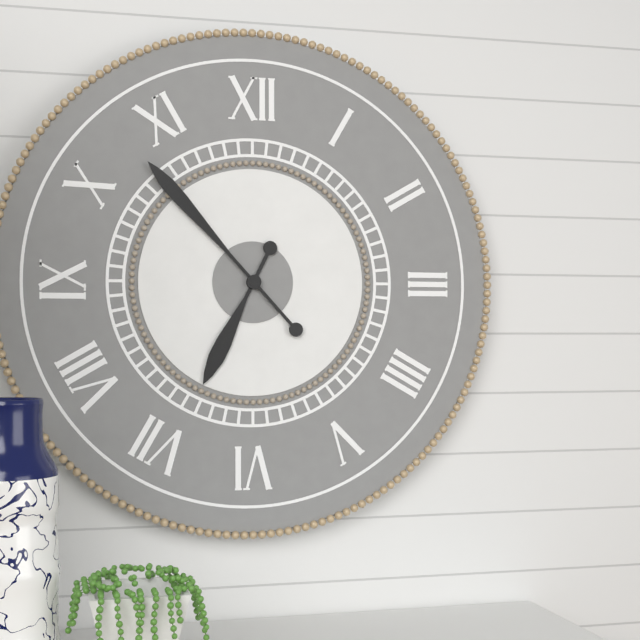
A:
6 h 53 min
